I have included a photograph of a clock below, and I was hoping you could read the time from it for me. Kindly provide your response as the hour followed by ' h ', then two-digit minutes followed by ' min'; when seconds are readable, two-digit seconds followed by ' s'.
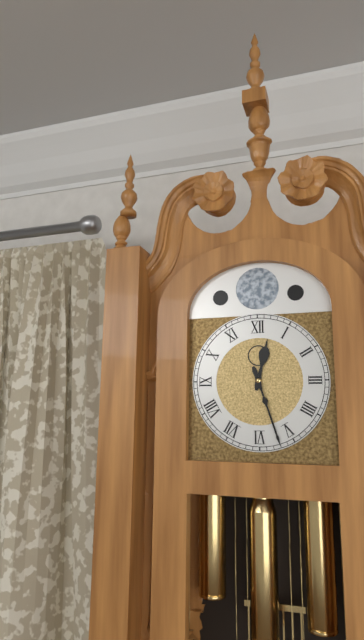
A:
12 h 27 min
